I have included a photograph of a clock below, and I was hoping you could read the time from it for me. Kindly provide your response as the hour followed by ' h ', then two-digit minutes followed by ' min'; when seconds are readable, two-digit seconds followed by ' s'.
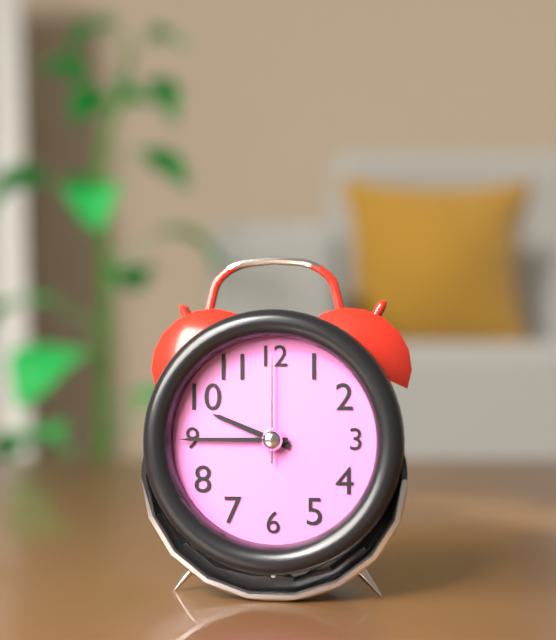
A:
9 h 45 min 00 s
